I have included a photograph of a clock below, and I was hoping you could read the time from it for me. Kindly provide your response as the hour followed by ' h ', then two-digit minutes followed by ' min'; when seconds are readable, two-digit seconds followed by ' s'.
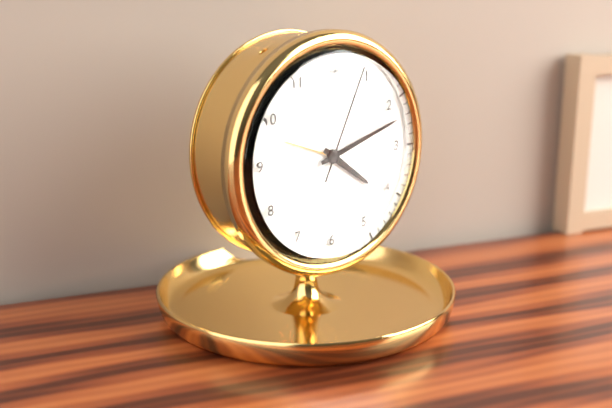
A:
4 h 12 min 04 s
